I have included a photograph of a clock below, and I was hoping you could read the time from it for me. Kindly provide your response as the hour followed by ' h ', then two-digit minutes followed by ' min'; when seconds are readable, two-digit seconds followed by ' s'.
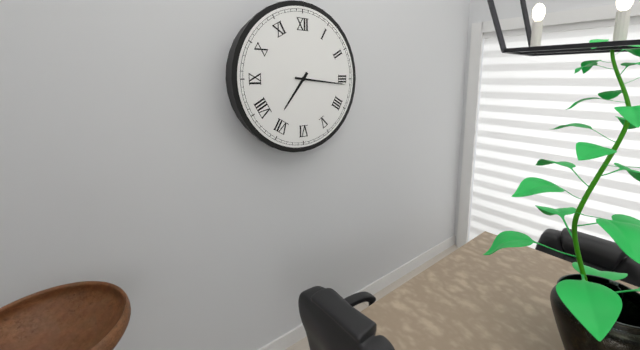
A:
7 h 16 min
